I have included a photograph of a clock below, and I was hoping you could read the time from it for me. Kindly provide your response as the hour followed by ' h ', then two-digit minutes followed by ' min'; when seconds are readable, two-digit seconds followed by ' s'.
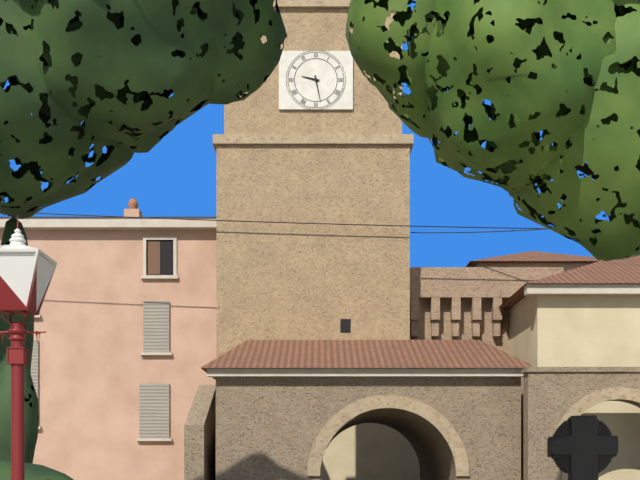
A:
9 h 28 min
